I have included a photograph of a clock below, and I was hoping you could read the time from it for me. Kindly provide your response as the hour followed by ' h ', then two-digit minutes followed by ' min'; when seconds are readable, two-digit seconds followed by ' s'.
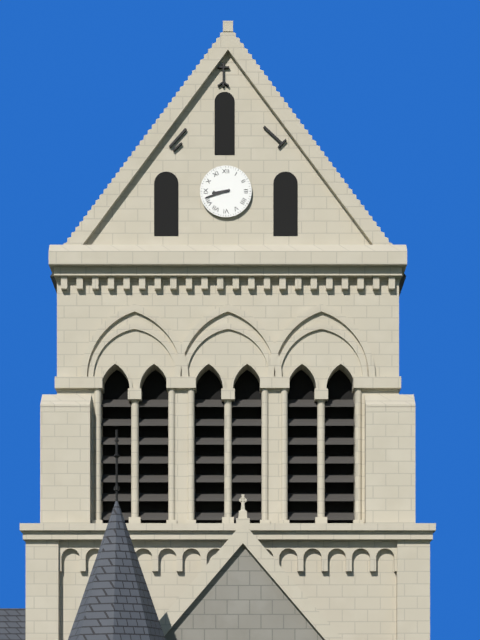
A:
8 h 42 min
